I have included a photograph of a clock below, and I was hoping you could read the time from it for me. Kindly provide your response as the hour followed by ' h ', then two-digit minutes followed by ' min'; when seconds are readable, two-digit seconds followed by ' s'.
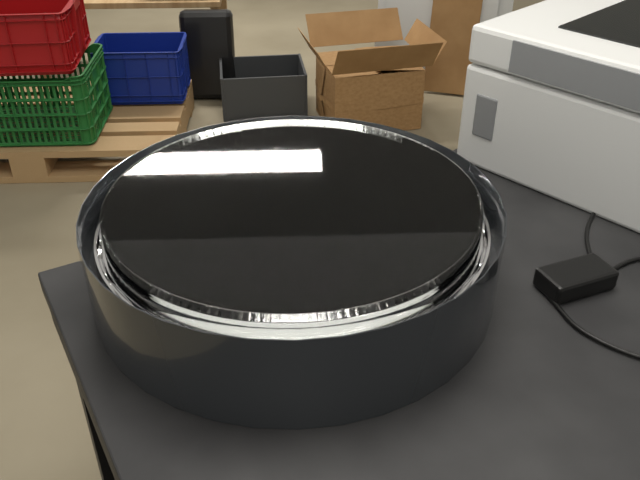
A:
1 h 39 min
